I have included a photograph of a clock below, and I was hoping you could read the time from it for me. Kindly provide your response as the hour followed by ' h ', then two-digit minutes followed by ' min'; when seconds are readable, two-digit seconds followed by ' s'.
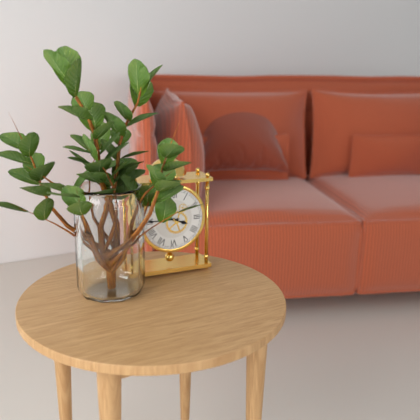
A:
3 h 45 min
